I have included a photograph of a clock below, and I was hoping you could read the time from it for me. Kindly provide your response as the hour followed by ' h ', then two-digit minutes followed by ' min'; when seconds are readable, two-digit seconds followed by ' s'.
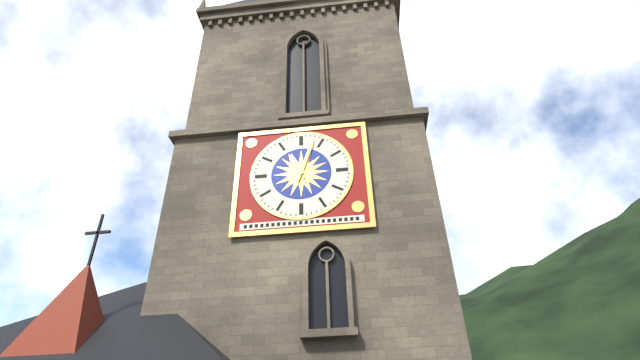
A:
11 h 03 min
